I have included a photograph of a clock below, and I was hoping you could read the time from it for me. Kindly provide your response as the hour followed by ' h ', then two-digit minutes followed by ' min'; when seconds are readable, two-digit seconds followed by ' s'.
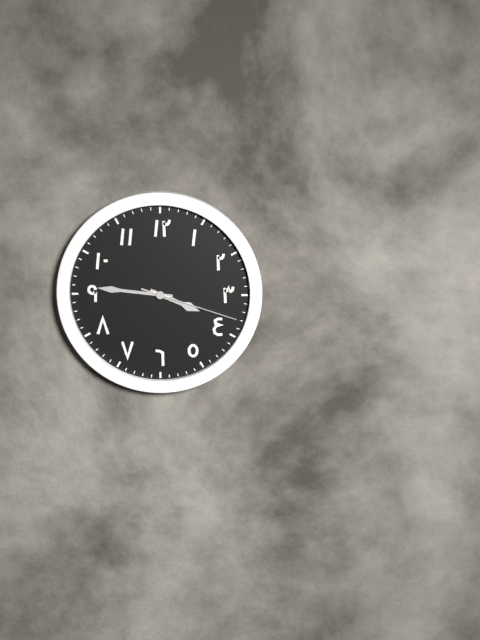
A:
3 h 46 min 18 s
